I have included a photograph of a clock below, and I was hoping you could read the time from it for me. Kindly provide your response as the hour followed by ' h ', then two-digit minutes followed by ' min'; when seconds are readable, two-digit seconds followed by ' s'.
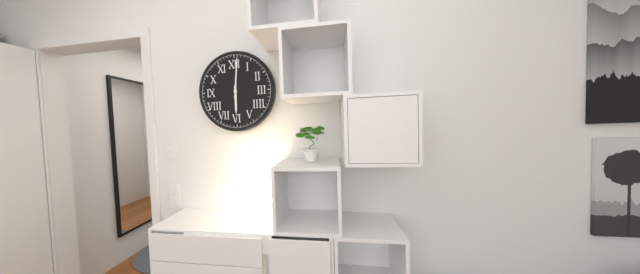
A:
6 h 01 min
